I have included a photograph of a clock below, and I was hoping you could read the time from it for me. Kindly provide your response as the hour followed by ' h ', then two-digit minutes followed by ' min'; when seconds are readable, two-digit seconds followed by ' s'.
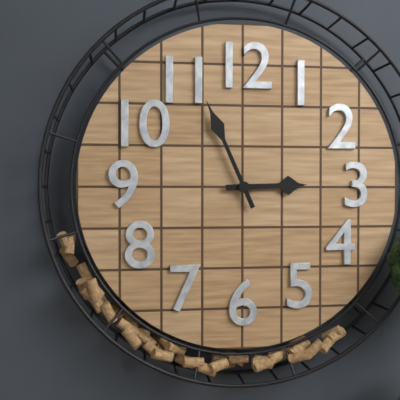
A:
2 h 56 min
